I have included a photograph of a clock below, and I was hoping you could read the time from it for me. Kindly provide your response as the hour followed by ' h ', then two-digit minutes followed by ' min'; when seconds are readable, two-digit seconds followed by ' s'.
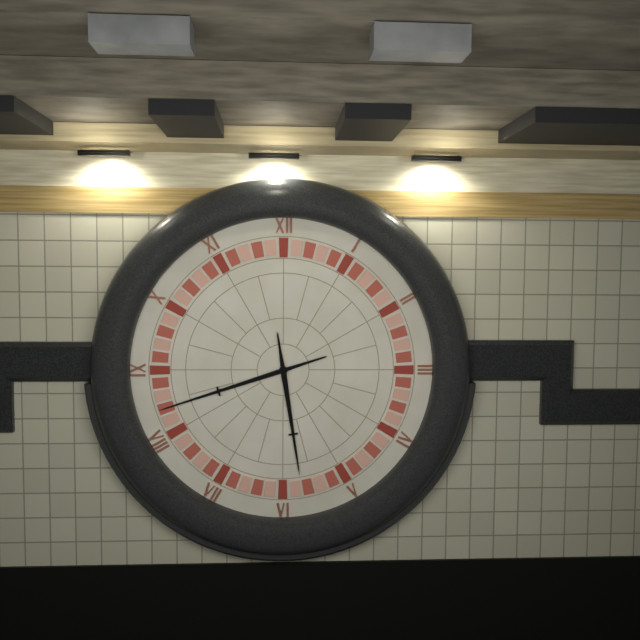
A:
5 h 42 min
